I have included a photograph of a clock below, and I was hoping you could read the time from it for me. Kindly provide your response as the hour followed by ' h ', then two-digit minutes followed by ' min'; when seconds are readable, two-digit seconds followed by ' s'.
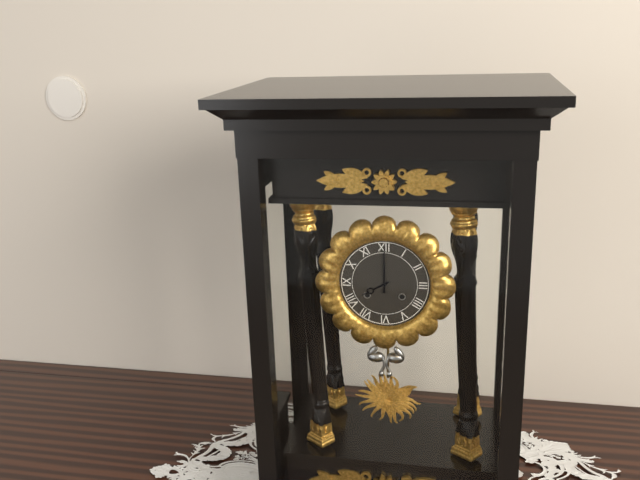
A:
8 h 00 min
